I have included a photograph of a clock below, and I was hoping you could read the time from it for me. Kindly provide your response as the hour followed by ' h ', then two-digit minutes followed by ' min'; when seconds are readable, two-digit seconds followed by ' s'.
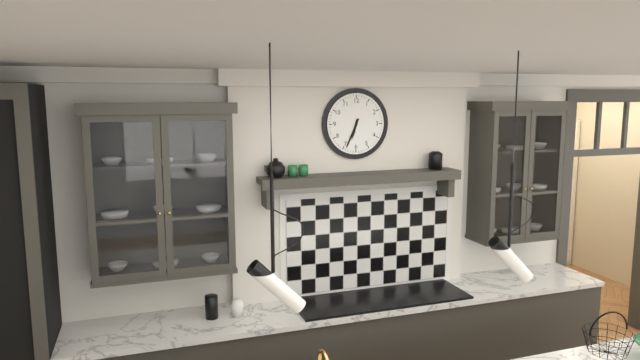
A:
6 h 34 min
